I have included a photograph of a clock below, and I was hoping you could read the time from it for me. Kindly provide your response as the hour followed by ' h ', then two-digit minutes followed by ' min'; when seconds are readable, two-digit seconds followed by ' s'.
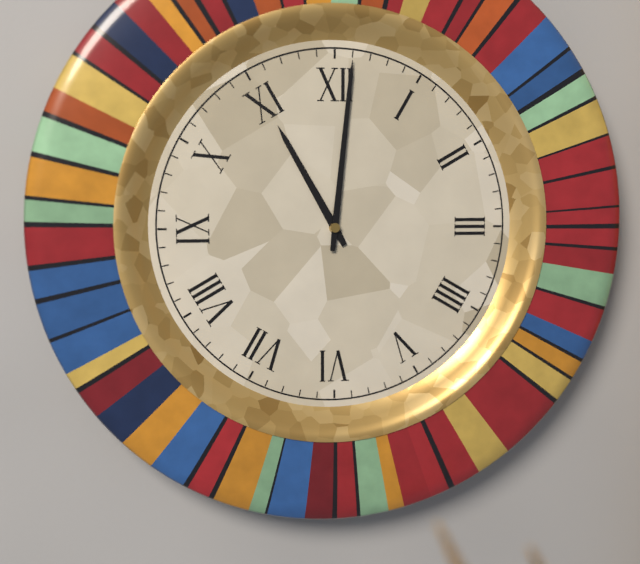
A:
11 h 01 min
